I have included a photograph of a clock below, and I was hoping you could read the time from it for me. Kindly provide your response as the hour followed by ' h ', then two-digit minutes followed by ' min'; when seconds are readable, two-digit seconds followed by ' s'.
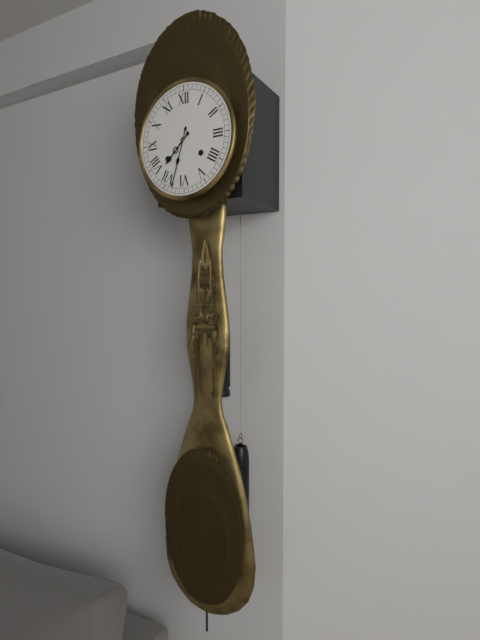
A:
7 h 33 min
